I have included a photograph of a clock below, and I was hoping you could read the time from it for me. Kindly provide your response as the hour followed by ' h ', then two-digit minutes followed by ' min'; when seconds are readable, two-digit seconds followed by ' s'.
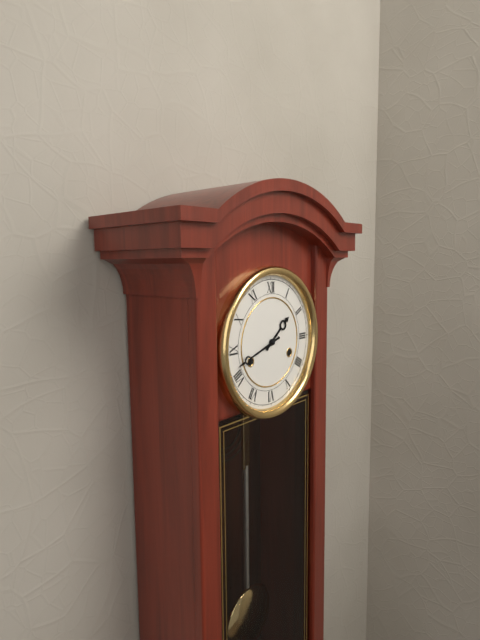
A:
1 h 42 min
